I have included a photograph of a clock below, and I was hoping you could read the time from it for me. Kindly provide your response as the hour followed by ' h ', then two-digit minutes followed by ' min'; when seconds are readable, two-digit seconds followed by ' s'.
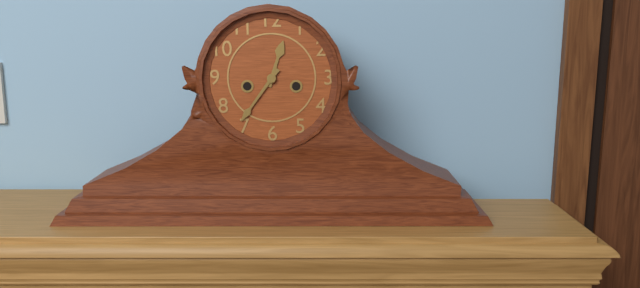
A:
12 h 36 min
